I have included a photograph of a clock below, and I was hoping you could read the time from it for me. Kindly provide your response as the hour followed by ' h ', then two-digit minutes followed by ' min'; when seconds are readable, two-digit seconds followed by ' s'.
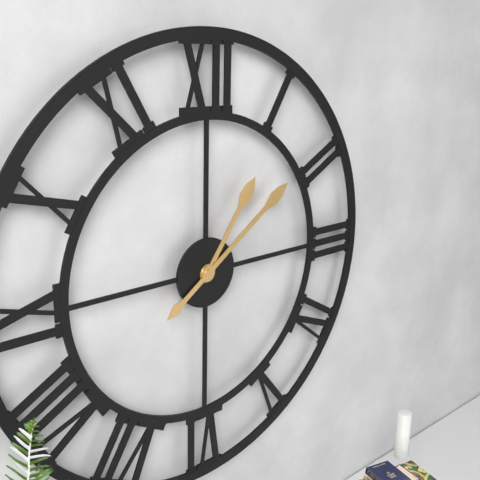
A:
1 h 09 min
